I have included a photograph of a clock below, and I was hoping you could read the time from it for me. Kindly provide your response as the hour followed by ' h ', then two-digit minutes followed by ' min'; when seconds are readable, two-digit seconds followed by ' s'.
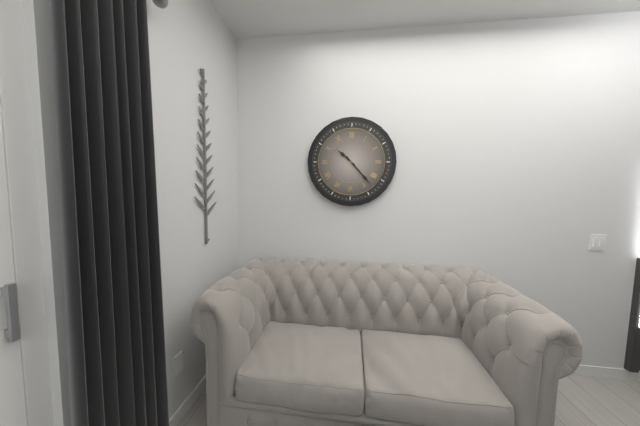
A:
10 h 23 min
